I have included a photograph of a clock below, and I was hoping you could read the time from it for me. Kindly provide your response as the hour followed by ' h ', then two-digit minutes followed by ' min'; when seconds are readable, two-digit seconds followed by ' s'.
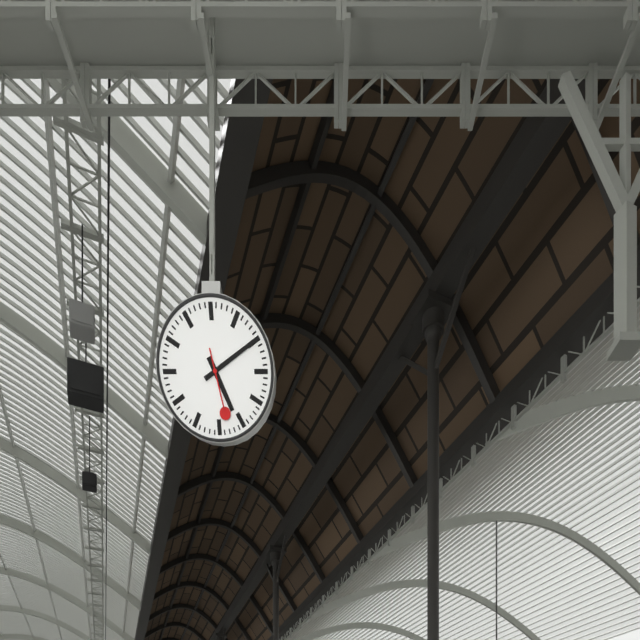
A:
5 h 10 min 28 s
